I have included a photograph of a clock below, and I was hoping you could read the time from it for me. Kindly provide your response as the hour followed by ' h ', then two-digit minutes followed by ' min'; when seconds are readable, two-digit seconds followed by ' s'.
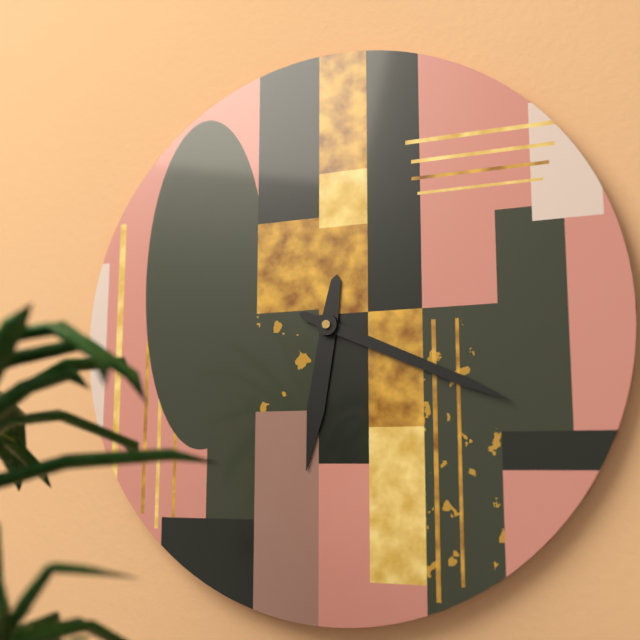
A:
6 h 19 min
